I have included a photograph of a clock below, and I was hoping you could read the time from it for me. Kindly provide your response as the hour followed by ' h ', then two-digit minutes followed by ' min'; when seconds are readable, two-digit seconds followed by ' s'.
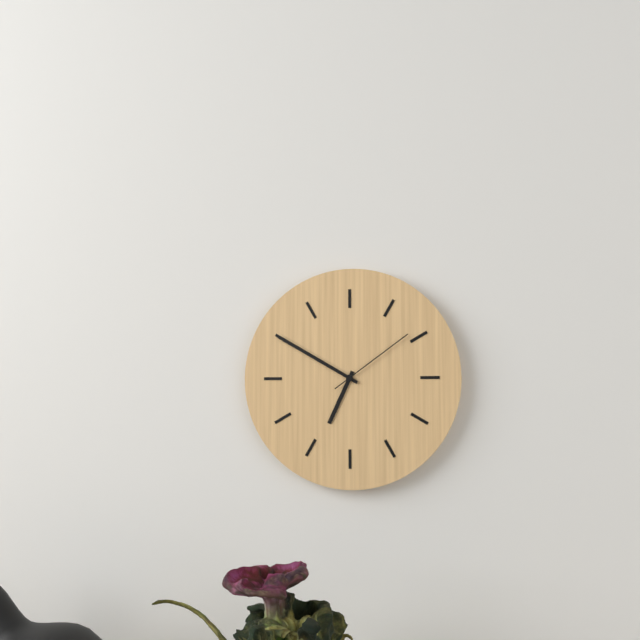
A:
6 h 50 min 09 s
